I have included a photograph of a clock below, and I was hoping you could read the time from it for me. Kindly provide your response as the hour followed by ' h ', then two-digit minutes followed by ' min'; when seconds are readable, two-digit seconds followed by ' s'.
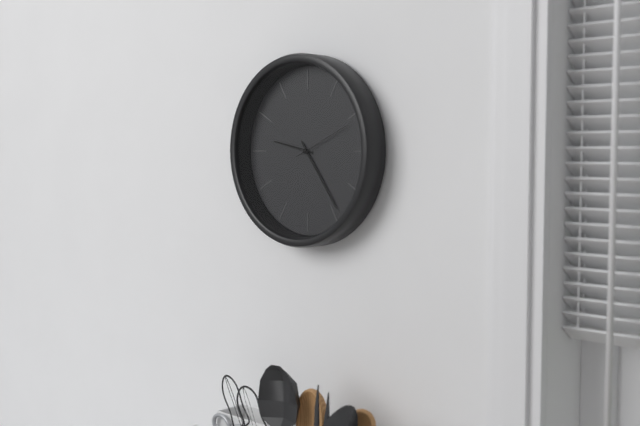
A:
9 h 24 min 11 s
